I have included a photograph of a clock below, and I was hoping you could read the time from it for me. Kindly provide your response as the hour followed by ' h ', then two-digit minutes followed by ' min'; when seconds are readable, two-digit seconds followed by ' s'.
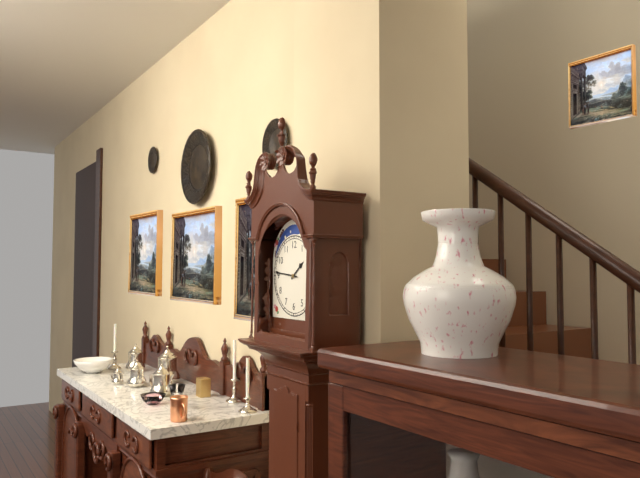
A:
1 h 46 min
